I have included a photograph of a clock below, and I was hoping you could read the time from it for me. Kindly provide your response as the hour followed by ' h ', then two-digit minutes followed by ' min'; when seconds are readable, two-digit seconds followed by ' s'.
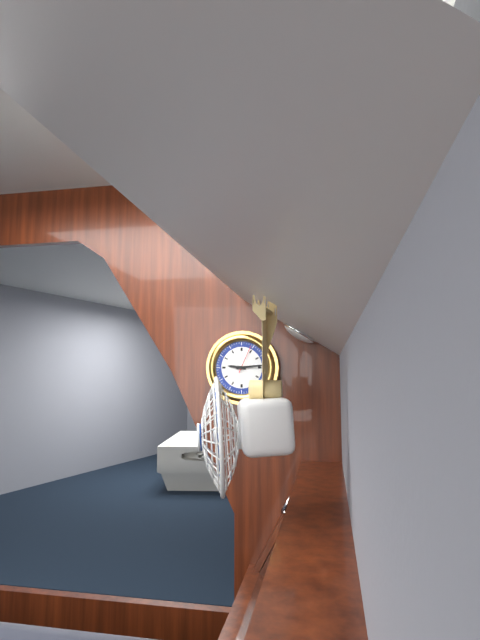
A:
9 h 14 min
